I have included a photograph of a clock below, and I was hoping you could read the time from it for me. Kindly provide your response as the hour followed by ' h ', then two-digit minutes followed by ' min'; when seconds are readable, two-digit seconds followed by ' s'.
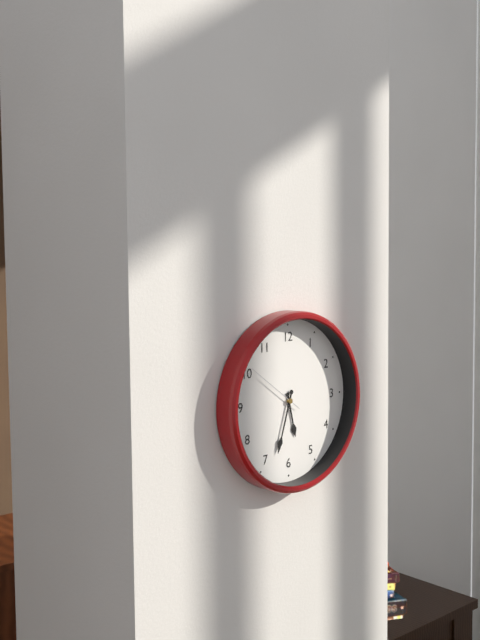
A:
5 h 33 min 51 s
